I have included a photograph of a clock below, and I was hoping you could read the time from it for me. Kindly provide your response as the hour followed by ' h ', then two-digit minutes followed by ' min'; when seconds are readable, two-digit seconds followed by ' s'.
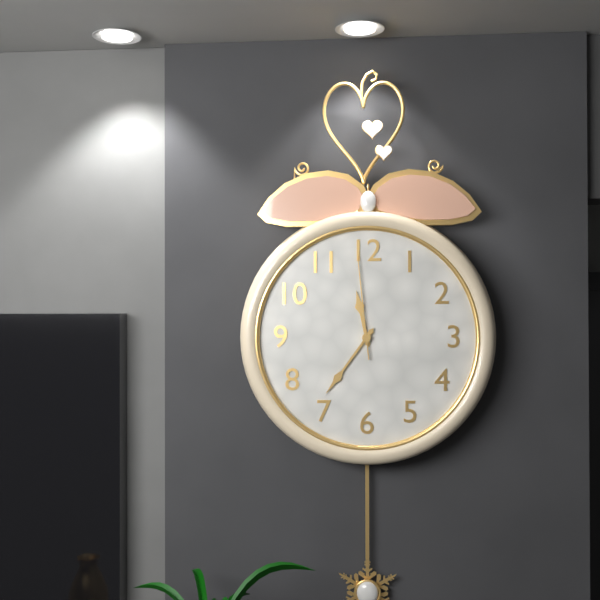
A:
11 h 36 min 59 s
